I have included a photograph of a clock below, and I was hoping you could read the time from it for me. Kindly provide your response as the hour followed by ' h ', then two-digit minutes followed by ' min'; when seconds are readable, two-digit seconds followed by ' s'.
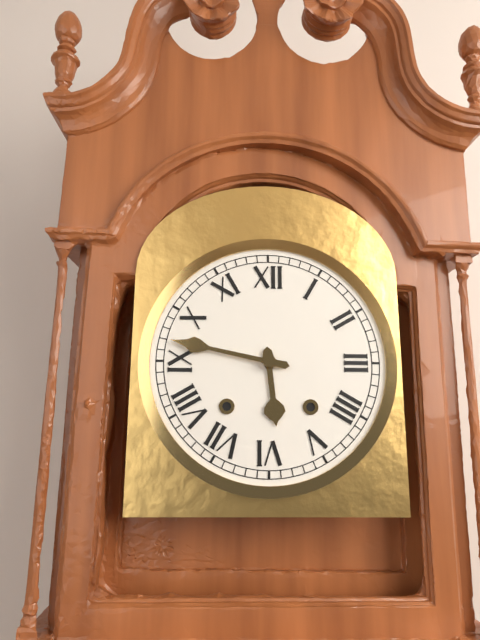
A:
5 h 47 min
